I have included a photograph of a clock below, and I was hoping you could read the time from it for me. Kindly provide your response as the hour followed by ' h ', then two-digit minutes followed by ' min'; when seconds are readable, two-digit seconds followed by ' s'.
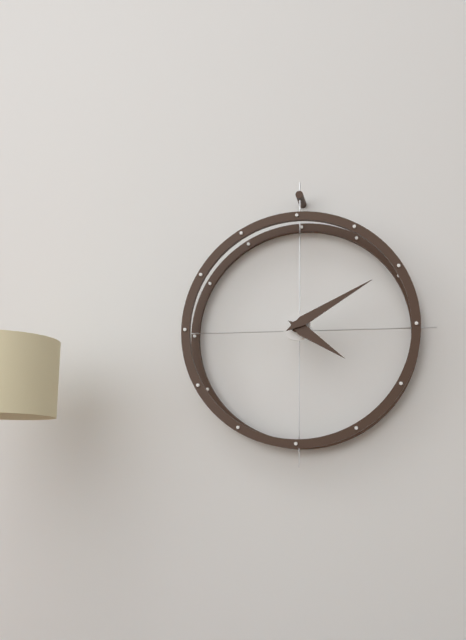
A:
4 h 10 min
